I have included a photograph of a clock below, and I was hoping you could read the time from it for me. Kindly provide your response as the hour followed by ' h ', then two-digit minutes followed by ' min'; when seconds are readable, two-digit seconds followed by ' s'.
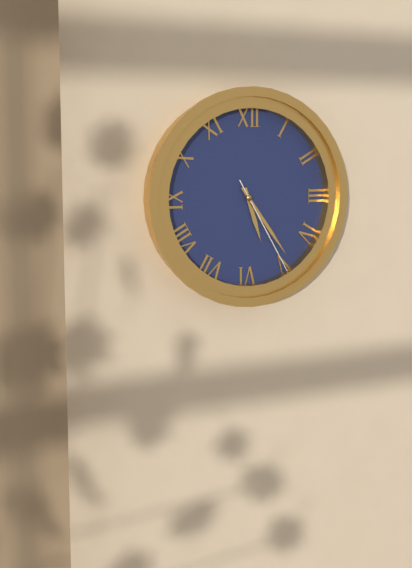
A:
5 h 24 min 25 s
